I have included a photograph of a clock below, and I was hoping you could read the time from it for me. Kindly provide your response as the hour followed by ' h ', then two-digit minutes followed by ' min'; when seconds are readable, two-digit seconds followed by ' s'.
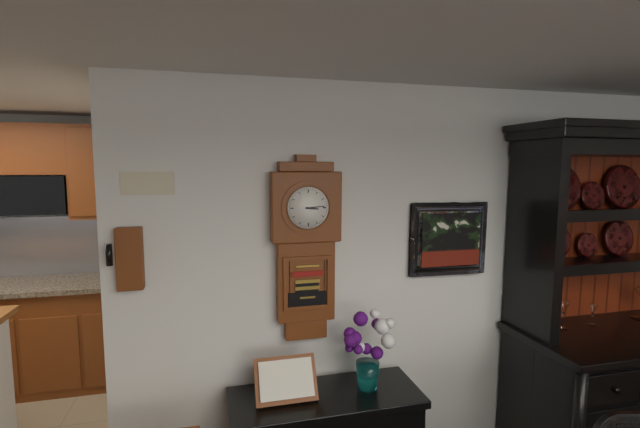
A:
3 h 14 min
